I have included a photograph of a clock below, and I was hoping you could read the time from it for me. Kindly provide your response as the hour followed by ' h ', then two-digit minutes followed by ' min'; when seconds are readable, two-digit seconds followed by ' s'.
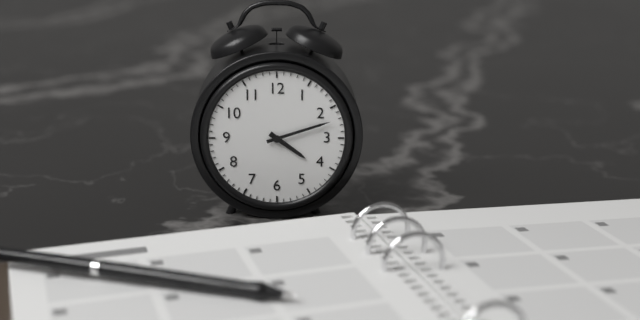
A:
4 h 12 min
